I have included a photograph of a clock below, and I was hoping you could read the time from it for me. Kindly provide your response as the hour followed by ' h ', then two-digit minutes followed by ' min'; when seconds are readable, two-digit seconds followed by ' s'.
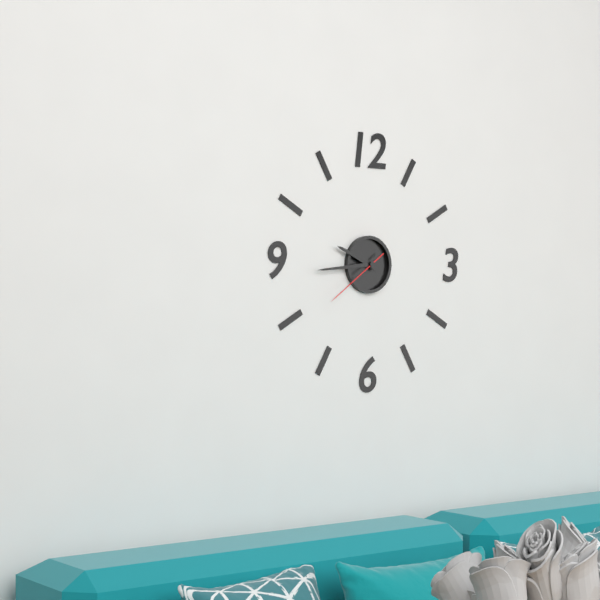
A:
9 h 44 min 39 s
